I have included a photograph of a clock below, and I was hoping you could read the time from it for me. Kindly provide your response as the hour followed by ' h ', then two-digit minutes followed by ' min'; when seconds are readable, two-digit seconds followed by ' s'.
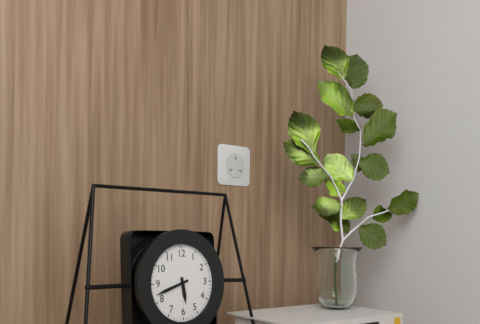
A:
5 h 42 min
